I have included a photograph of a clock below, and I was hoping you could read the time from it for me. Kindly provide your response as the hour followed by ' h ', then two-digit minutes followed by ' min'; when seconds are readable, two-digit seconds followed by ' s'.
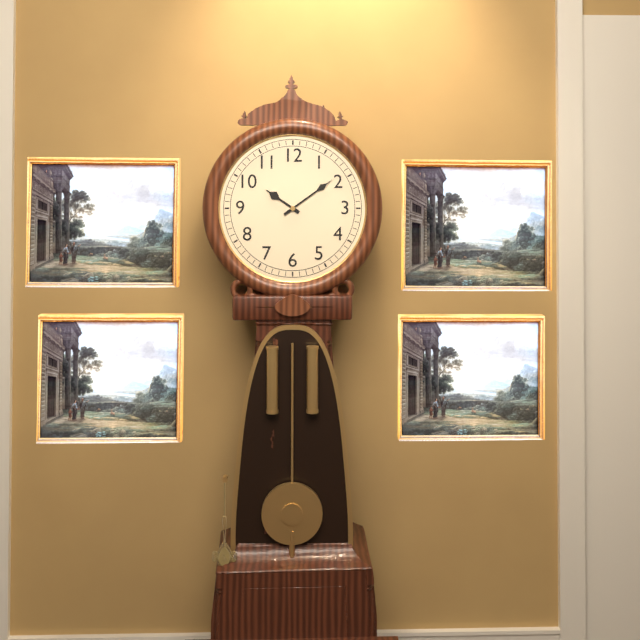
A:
10 h 09 min
